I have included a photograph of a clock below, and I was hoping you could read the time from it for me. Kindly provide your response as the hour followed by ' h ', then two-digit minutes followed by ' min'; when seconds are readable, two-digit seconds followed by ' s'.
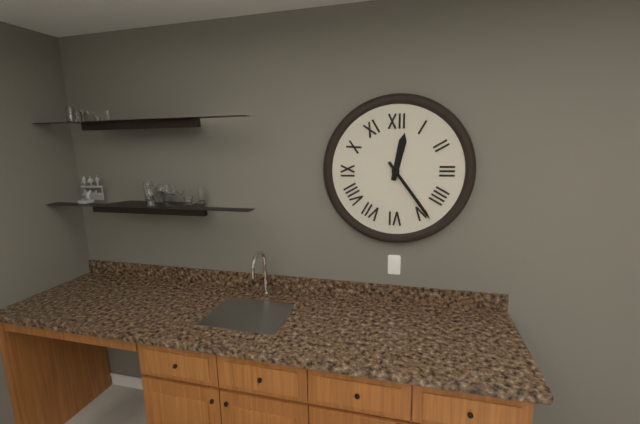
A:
12 h 24 min
